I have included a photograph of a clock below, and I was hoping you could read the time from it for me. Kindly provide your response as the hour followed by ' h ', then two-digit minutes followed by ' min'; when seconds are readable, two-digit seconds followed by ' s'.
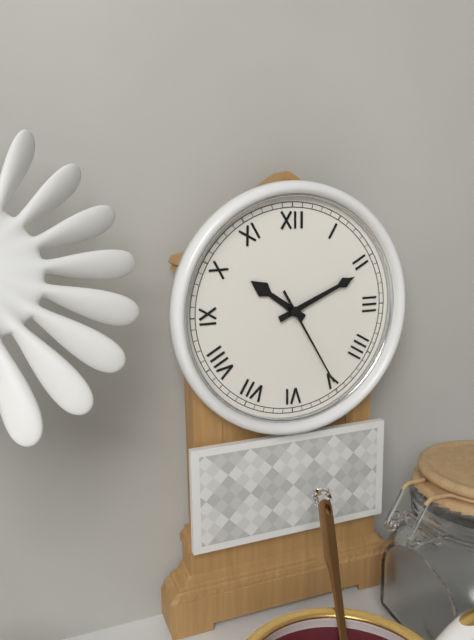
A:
10 h 11 min 25 s
